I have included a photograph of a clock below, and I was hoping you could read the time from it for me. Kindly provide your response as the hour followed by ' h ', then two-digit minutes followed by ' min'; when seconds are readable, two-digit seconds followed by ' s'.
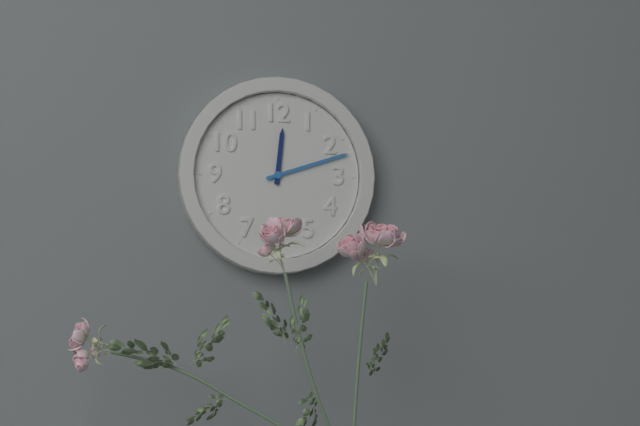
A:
12 h 12 min
